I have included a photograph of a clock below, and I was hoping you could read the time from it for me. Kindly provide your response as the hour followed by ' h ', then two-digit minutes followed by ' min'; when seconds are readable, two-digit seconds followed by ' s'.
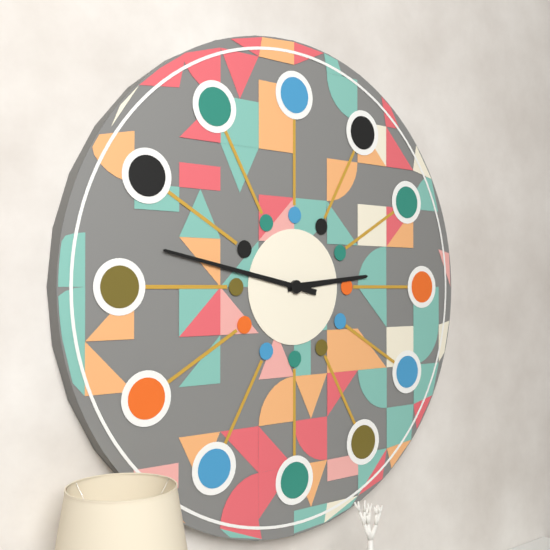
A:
2 h 47 min
